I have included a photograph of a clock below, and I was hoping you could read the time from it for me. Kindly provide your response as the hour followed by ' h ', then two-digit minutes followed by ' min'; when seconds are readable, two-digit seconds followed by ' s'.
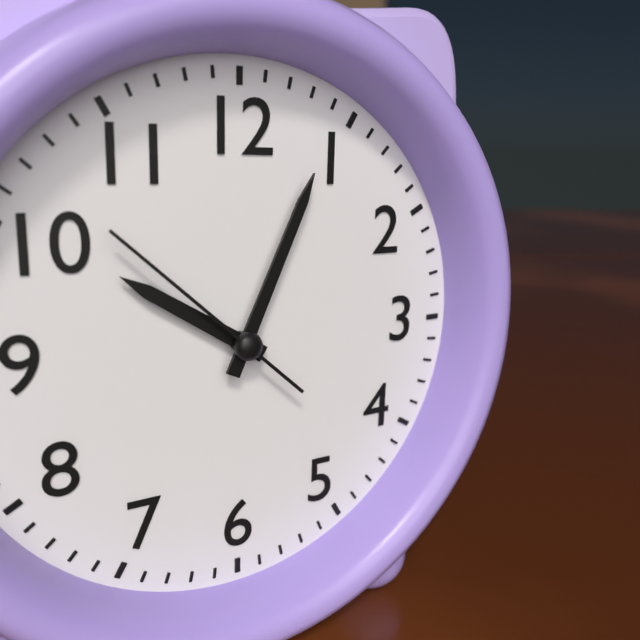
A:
10 h 04 min 52 s
